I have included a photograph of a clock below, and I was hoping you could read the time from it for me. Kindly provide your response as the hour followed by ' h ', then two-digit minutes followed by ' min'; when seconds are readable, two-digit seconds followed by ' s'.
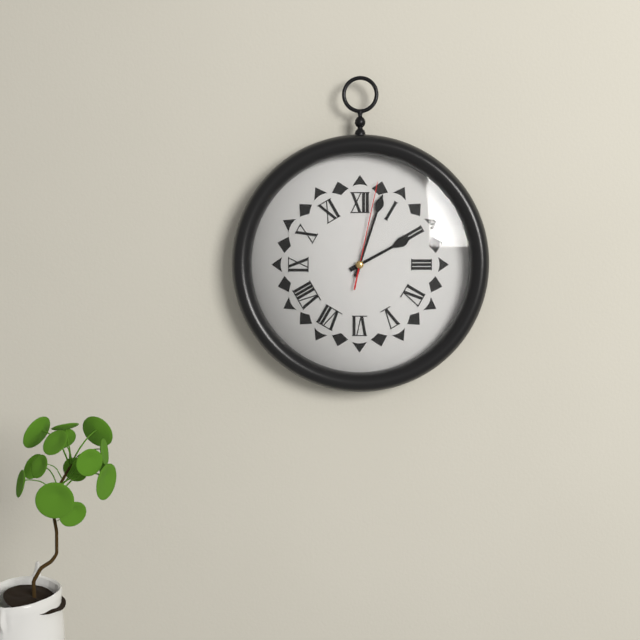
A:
2 h 03 min 02 s
